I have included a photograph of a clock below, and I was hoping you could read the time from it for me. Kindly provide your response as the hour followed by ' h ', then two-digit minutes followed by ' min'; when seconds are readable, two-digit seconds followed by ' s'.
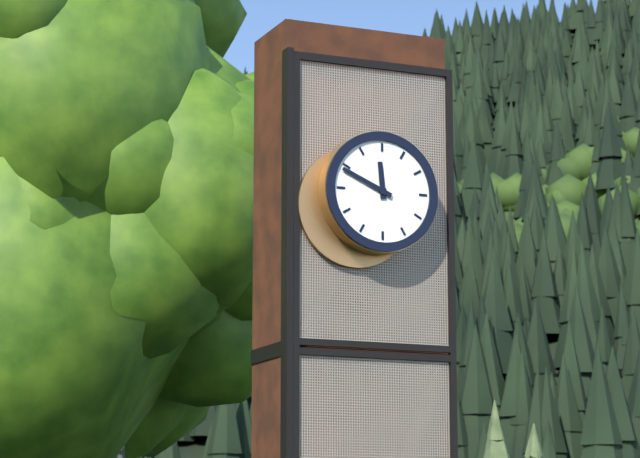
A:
11 h 49 min
